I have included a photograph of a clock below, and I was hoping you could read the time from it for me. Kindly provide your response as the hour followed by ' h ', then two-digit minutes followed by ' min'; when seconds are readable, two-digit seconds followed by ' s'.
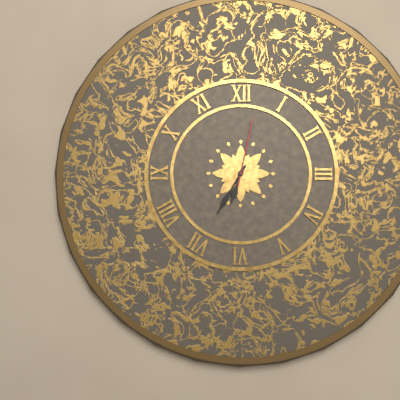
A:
6 h 35 min 02 s
